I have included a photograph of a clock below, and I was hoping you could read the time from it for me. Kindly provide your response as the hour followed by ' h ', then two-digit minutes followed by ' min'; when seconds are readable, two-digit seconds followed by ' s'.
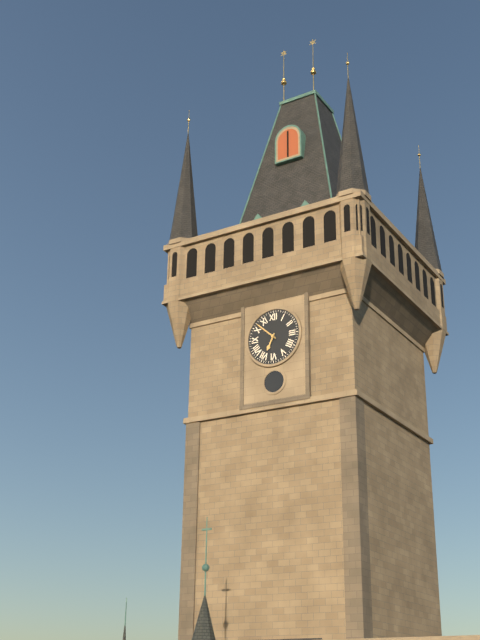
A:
6 h 52 min
